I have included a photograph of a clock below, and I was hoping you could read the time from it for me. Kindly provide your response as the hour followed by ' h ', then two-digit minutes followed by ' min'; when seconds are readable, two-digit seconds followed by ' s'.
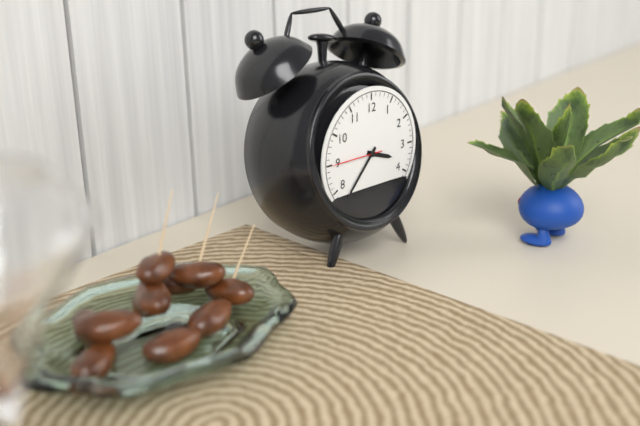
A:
3 h 37 min 45 s
